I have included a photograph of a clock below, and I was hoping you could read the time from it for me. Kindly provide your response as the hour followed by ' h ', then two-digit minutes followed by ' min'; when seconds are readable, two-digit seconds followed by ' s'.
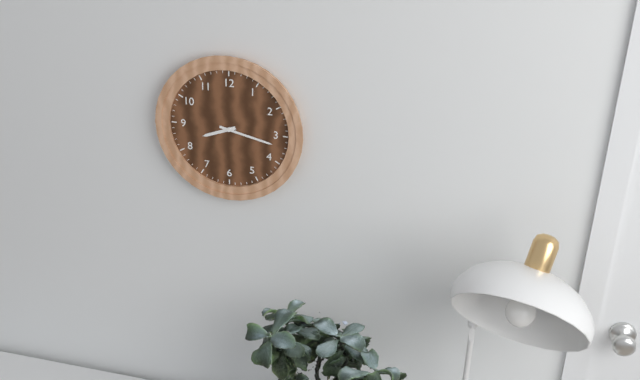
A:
8 h 17 min
